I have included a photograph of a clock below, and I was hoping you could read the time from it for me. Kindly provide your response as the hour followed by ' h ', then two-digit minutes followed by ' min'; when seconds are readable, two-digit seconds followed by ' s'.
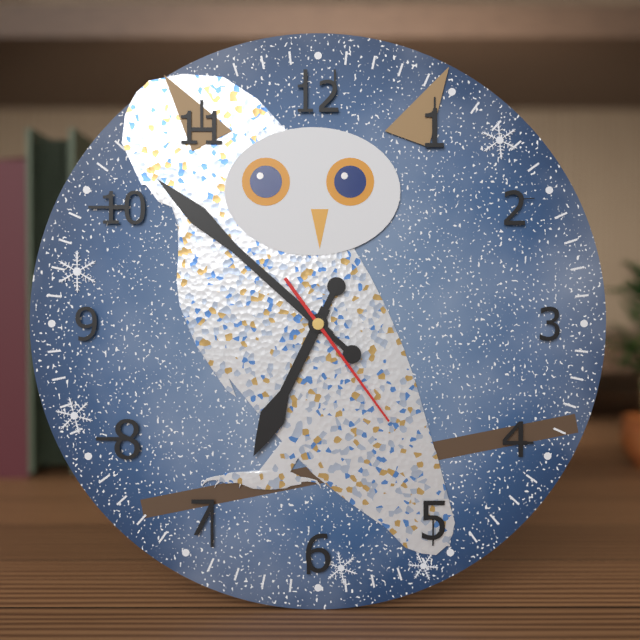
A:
6 h 52 min 24 s
